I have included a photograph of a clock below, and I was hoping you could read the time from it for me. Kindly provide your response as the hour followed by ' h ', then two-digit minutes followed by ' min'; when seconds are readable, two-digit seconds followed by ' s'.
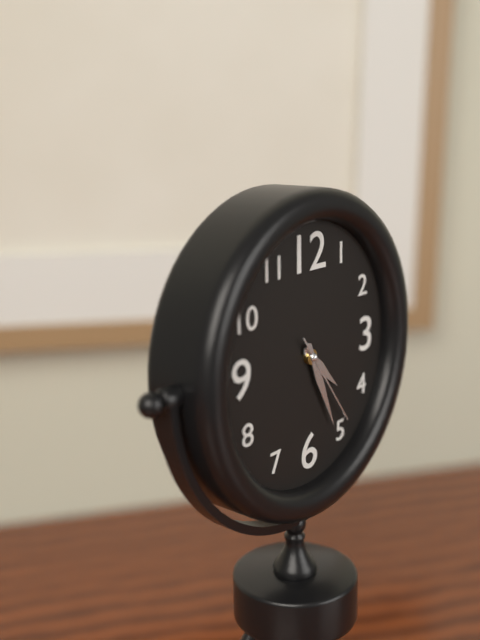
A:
4 h 26 min 24 s
